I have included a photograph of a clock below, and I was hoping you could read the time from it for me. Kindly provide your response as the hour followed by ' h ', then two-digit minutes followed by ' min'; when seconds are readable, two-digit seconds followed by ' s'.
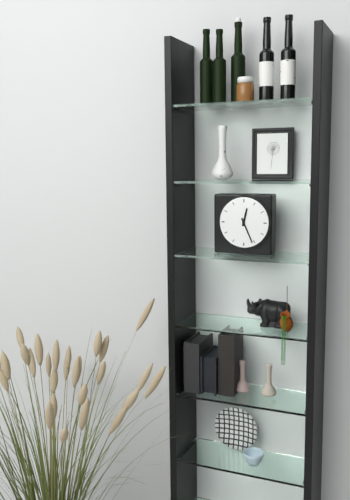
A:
12 h 26 min
